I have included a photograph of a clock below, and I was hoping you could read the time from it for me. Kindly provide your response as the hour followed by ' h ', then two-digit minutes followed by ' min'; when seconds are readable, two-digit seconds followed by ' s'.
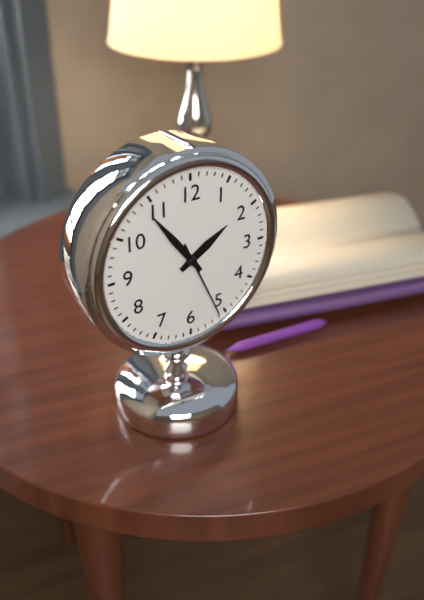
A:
1 h 54 min 26 s
